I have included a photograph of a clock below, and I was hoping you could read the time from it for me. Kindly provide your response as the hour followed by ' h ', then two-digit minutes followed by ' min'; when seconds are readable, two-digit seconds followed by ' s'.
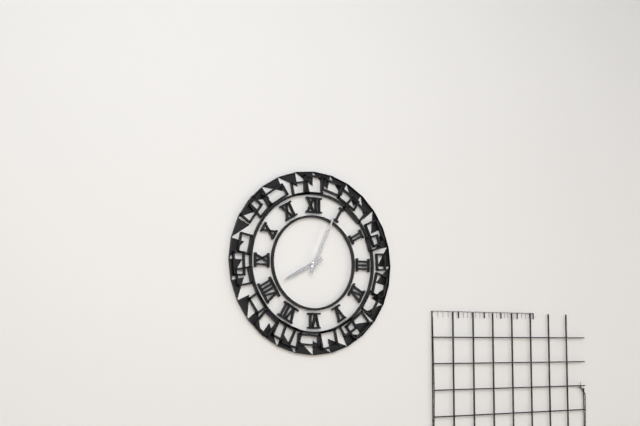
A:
8 h 04 min
